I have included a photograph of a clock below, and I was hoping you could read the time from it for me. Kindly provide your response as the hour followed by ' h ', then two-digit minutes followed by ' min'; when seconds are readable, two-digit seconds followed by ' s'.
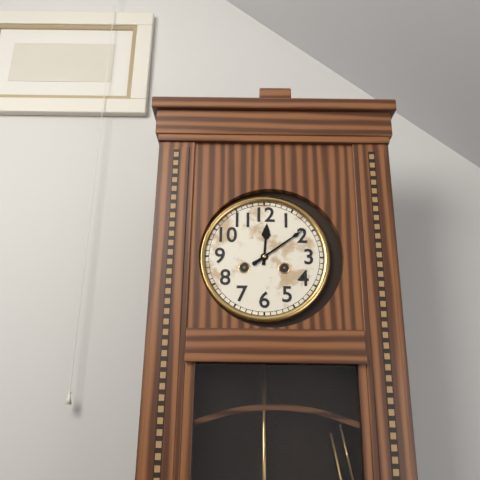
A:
12 h 09 min
